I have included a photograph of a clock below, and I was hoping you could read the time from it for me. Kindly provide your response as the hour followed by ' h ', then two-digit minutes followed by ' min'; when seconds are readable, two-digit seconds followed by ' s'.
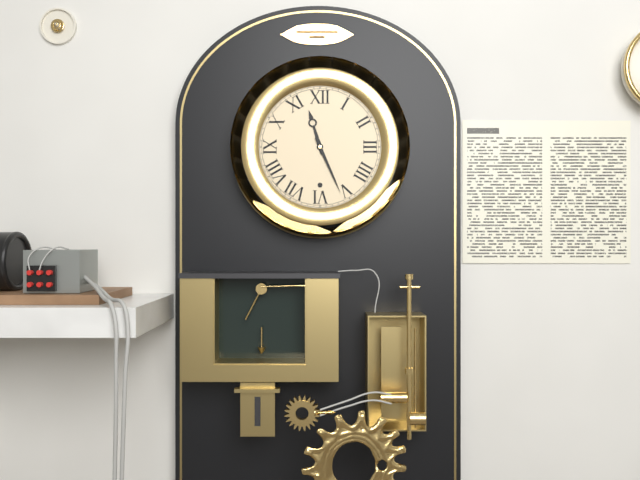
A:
11 h 26 min
